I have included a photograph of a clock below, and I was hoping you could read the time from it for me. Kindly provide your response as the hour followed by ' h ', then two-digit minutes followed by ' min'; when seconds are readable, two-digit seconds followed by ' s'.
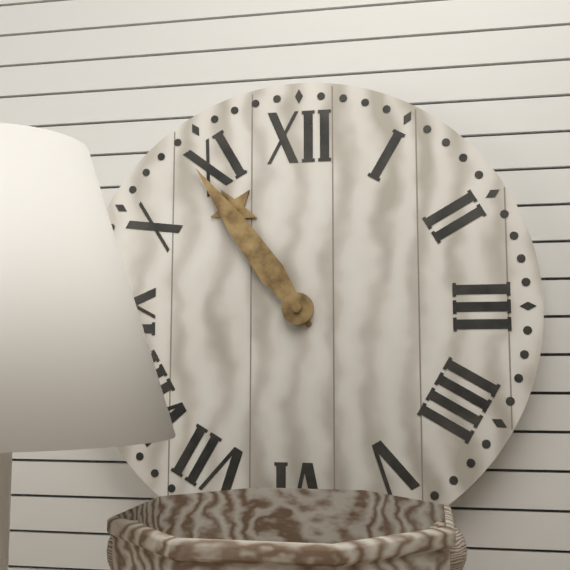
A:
10 h 54 min
